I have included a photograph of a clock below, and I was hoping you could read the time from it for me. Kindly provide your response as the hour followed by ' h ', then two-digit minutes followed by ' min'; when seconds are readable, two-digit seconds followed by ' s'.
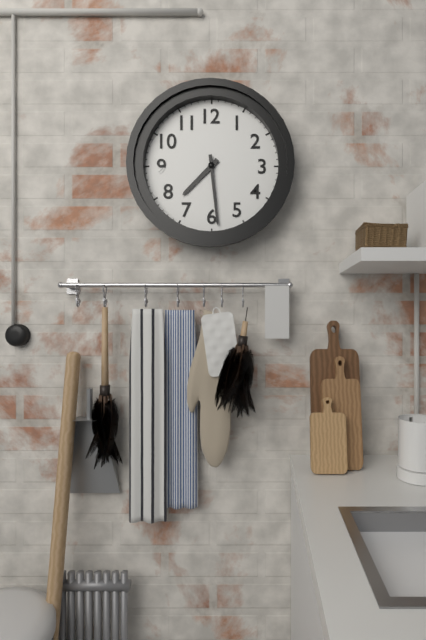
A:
7 h 29 min
